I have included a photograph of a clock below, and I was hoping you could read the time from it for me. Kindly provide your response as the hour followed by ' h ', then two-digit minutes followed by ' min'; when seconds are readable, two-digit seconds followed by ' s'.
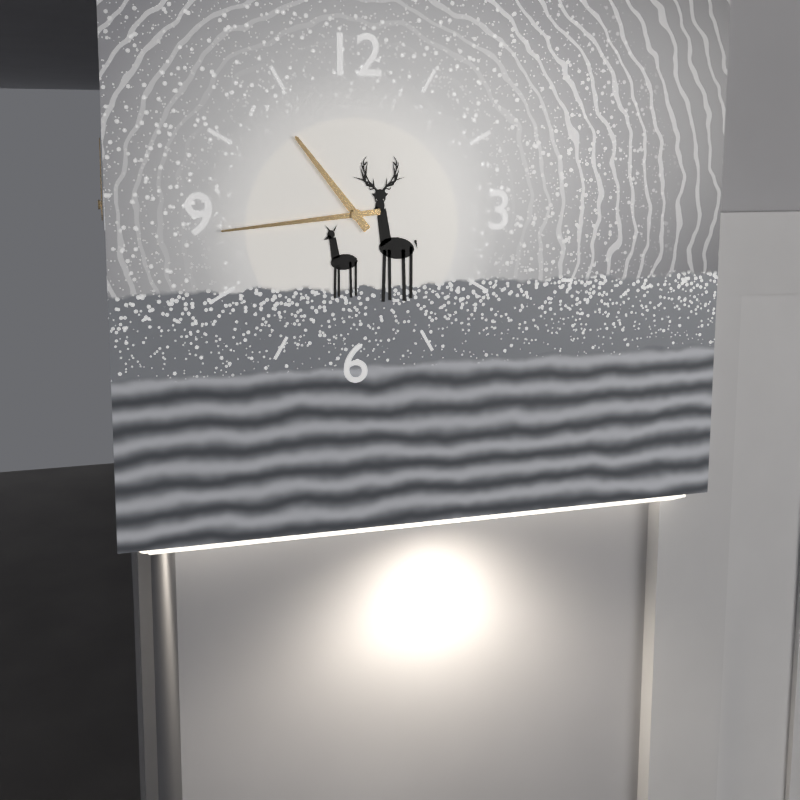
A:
10 h 44 min
